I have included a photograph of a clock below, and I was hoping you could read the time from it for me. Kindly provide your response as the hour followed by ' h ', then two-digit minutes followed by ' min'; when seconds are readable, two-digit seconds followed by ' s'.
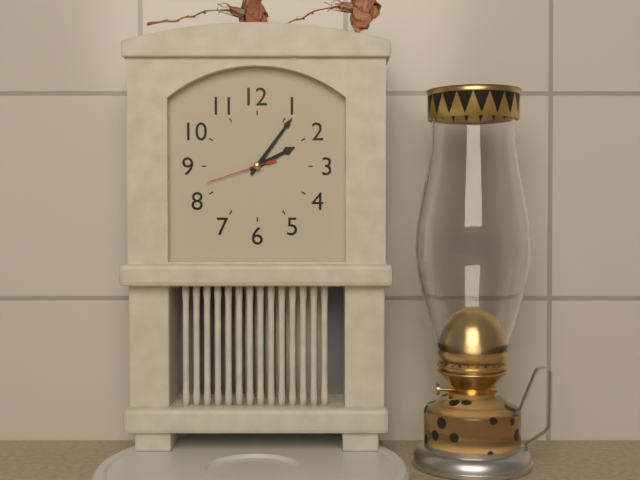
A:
2 h 06 min 42 s
